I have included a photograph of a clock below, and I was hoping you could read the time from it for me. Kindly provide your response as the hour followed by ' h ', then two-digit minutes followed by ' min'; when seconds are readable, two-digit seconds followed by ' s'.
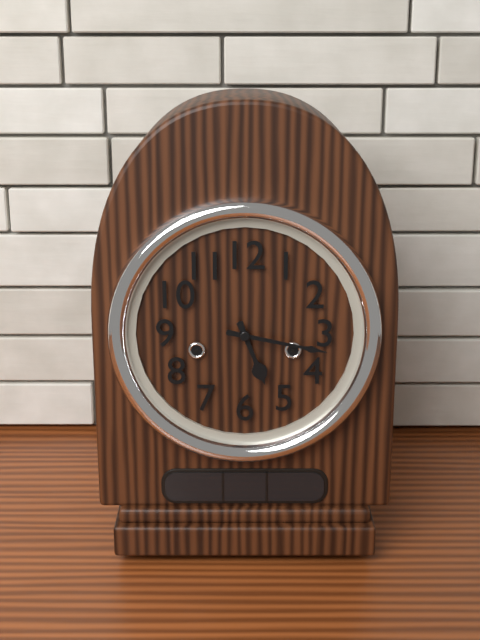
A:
5 h 17 min
